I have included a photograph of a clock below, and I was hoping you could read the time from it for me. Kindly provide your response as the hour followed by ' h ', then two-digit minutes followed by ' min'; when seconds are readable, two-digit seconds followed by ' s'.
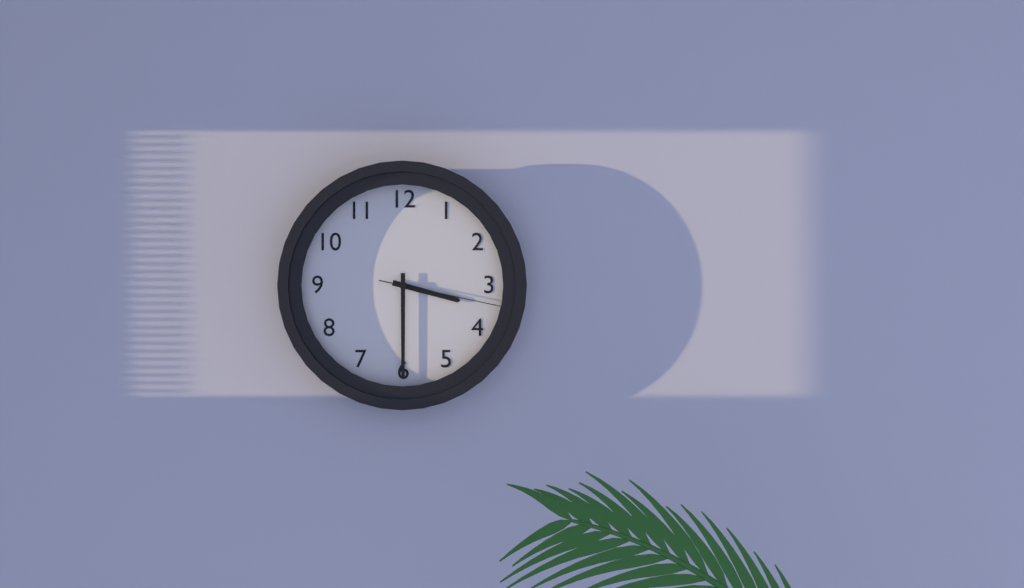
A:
3 h 30 min 17 s
